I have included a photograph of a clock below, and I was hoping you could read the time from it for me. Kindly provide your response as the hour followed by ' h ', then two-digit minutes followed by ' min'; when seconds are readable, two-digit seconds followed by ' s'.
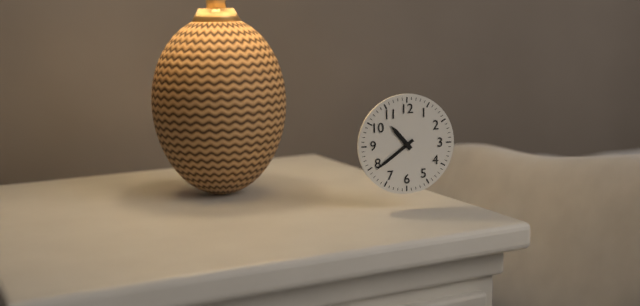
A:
10 h 39 min
